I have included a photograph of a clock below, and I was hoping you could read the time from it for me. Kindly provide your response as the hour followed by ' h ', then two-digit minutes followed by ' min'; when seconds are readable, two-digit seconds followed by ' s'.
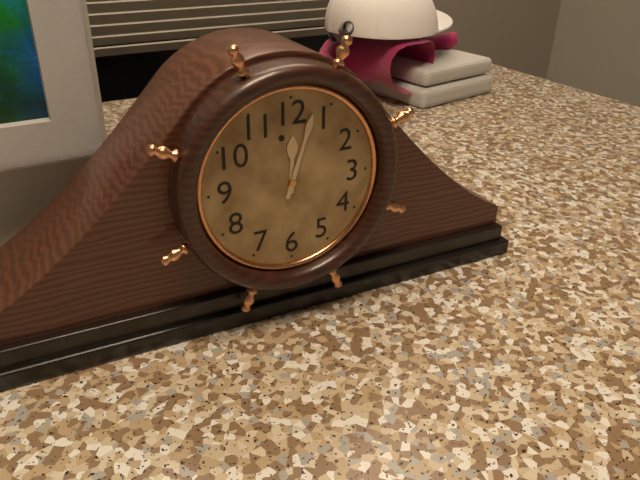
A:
12 h 03 min
